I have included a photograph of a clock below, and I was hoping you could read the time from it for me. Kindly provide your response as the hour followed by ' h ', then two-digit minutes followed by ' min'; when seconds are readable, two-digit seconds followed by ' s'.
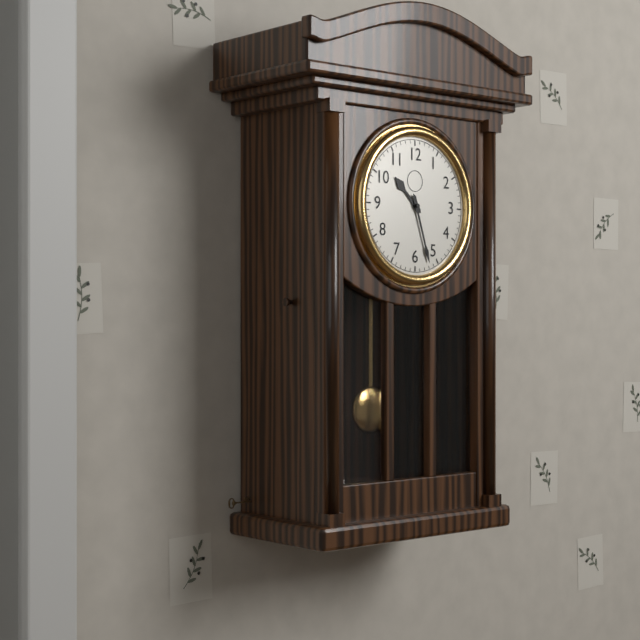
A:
10 h 27 min
